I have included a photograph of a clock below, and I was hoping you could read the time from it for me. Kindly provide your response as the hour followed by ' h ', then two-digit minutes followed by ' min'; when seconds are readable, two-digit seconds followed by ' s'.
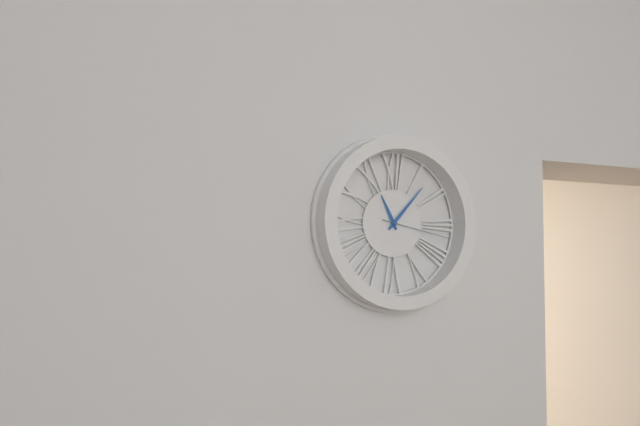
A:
11 h 07 min 17 s
